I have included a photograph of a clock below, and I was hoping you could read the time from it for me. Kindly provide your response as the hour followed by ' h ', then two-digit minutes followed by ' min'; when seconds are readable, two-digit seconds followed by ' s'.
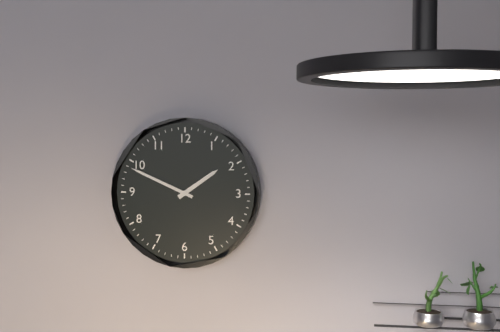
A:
1 h 49 min
